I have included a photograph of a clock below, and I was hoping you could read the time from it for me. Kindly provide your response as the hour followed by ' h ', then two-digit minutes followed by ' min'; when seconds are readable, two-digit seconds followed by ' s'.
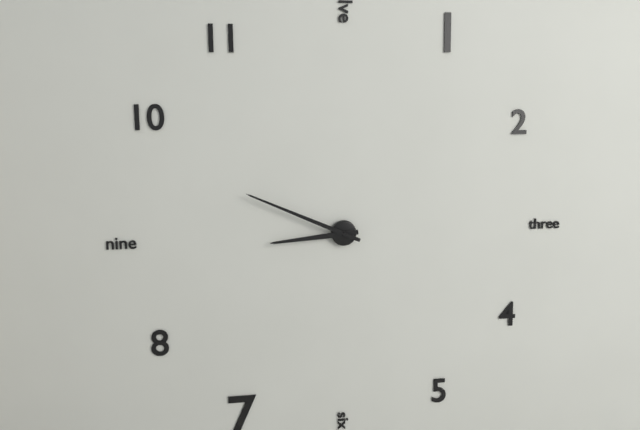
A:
8 h 49 min
